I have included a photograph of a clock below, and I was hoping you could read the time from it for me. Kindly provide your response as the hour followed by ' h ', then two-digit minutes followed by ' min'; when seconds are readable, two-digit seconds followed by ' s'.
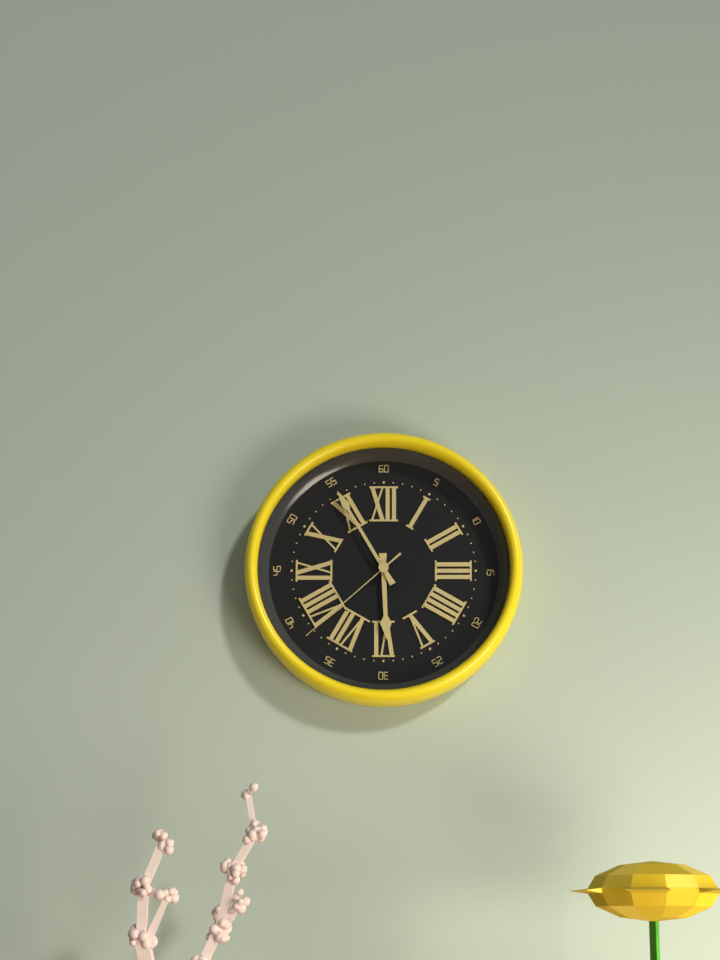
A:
5 h 55 min 38 s
